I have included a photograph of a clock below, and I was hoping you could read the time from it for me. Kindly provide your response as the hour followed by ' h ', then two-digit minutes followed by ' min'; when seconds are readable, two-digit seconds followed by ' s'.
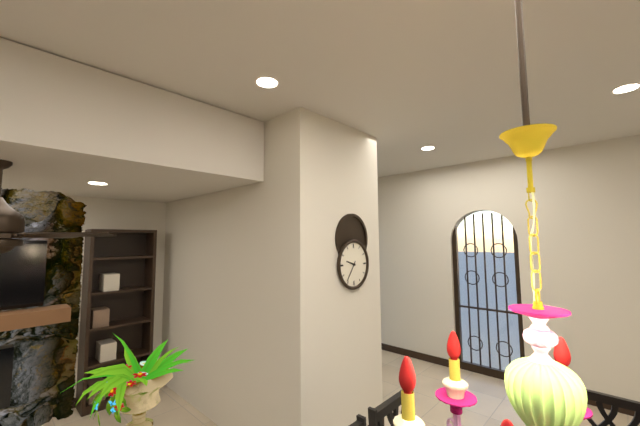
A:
9 h 36 min
